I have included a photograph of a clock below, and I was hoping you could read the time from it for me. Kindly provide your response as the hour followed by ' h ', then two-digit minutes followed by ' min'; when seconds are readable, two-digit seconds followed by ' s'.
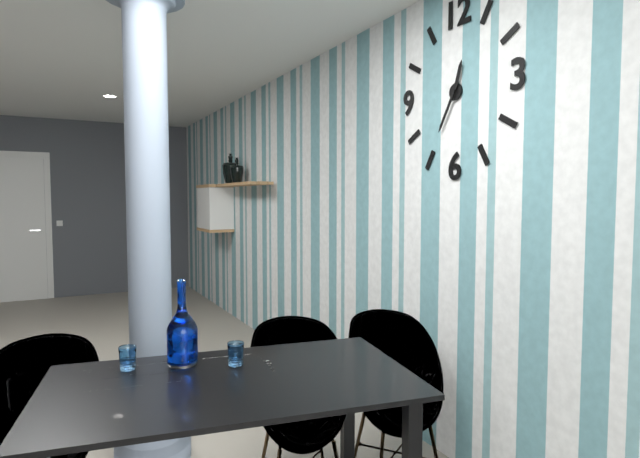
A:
12 h 35 min
